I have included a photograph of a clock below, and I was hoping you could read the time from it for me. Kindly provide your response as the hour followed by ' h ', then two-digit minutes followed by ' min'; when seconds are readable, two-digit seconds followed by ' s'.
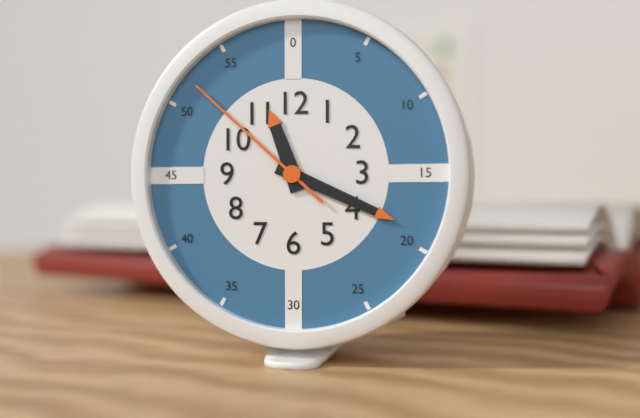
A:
11 h 19 min 52 s
